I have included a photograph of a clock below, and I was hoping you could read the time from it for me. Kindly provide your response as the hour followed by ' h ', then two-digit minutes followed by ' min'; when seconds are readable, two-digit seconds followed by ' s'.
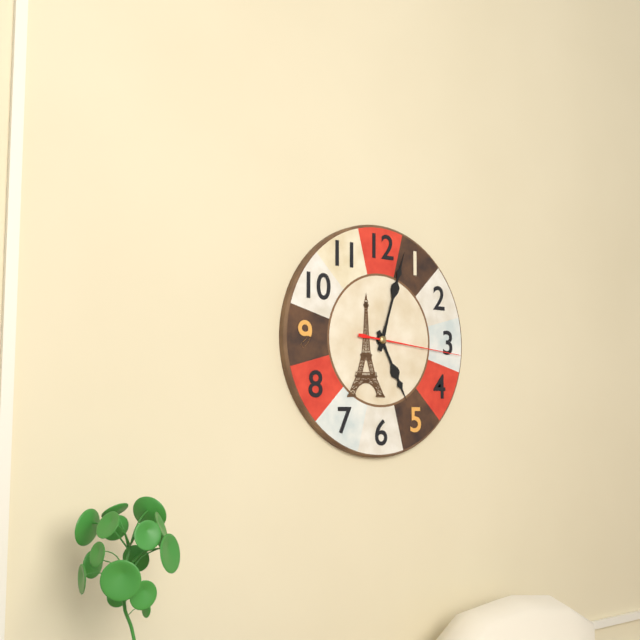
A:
5 h 03 min 16 s
